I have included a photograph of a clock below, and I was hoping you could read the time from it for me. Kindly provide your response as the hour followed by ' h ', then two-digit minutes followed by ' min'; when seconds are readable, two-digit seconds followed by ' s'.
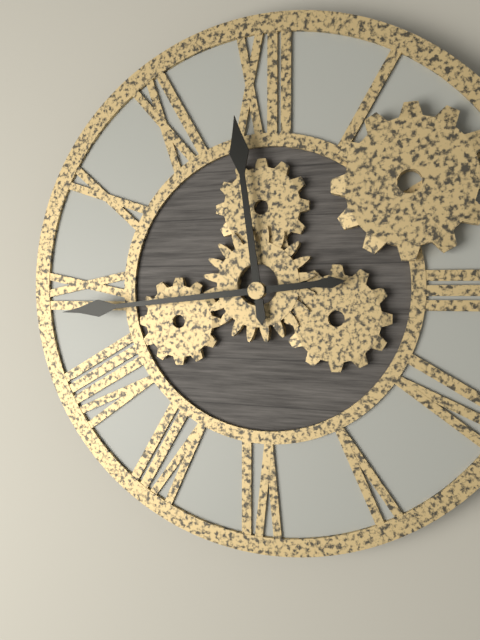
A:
11 h 44 min
